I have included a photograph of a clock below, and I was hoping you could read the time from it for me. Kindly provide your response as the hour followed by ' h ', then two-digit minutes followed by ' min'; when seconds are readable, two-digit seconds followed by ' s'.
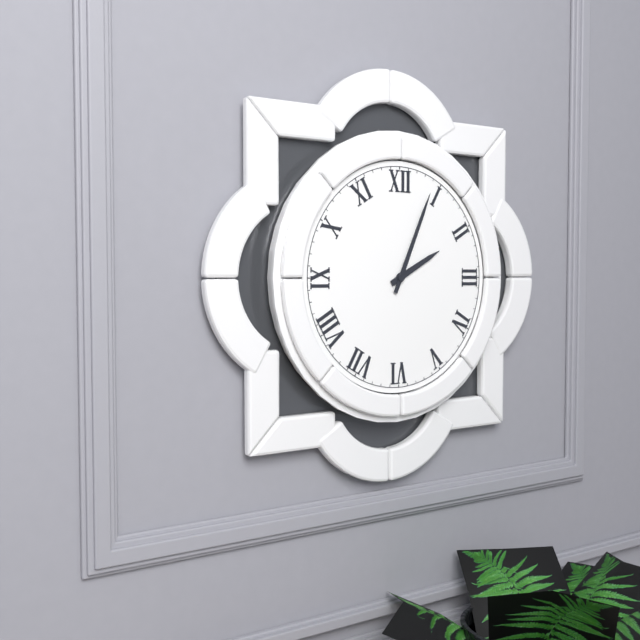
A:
2 h 04 min
